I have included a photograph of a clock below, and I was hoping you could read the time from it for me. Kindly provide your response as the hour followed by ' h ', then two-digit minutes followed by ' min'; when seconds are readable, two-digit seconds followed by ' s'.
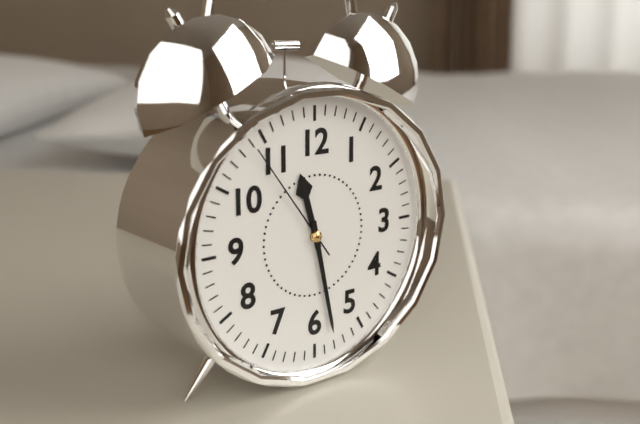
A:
11 h 28 min 54 s
